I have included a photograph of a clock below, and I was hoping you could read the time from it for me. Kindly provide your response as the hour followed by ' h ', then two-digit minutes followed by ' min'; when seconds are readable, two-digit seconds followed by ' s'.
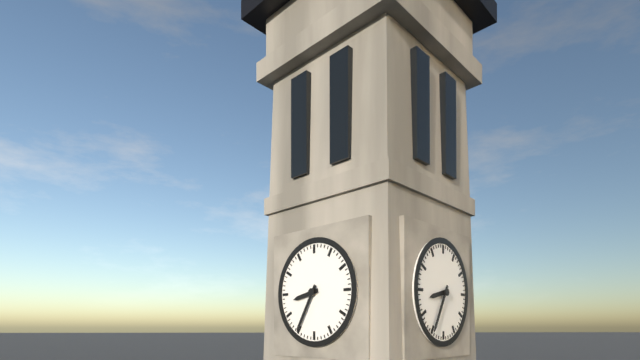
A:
8 h 35 min
